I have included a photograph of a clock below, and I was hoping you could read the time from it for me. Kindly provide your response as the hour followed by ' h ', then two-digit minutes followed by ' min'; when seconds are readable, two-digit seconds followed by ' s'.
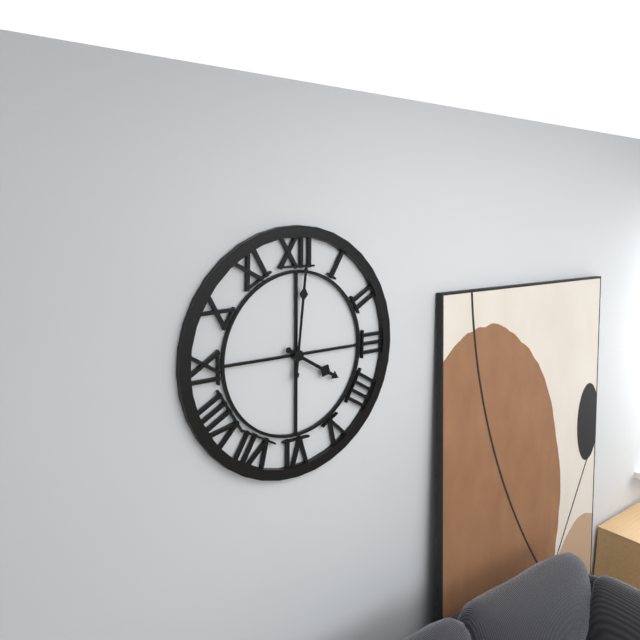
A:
4 h 01 min
